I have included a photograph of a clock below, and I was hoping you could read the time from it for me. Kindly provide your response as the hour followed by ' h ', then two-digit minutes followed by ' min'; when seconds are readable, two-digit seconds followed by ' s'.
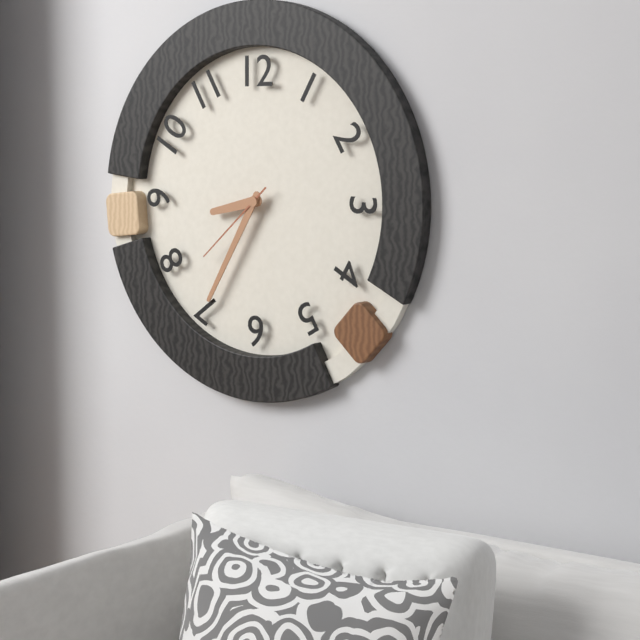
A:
8 h 35 min 38 s
